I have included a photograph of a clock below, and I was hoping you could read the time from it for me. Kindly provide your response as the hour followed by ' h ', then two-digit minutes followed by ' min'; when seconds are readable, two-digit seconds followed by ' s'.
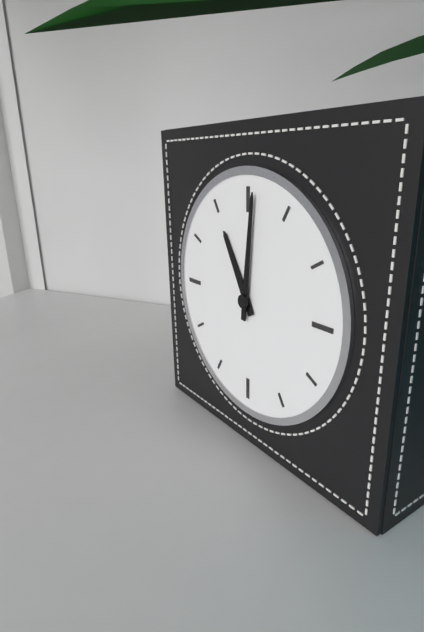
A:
11 h 01 min
